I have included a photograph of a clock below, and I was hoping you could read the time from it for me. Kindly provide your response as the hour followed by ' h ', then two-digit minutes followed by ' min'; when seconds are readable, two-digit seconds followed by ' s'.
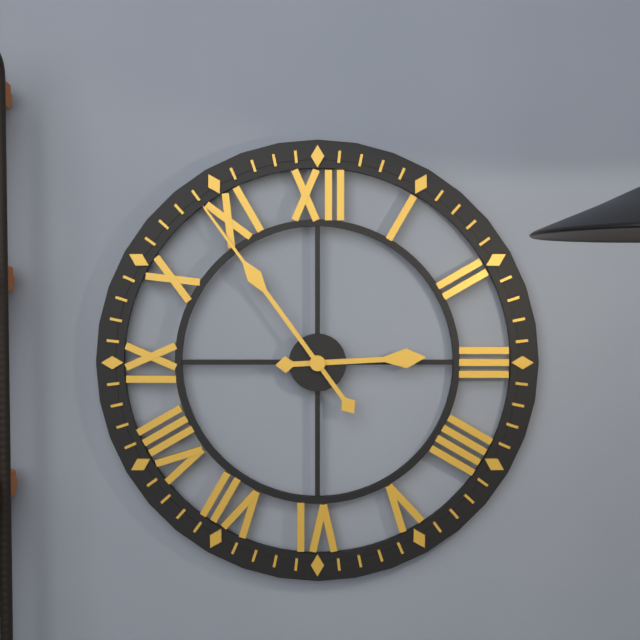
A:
2 h 54 min
